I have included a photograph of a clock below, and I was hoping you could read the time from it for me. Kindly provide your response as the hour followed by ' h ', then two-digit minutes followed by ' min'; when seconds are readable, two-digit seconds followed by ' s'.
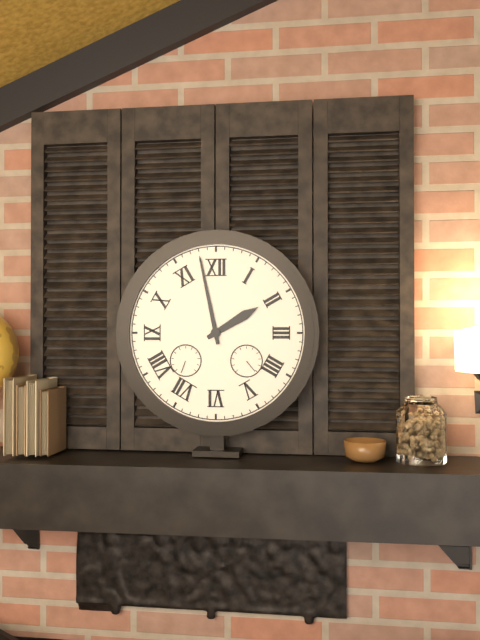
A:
1 h 58 min
